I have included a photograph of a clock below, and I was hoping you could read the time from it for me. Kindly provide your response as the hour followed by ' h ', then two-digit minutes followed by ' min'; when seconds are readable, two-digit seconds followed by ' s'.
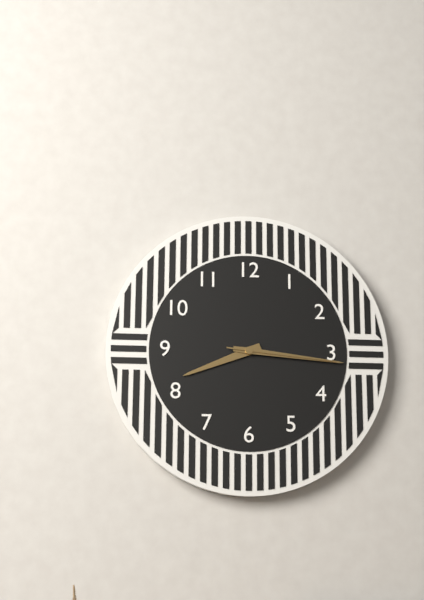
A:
8 h 16 min 16 s
